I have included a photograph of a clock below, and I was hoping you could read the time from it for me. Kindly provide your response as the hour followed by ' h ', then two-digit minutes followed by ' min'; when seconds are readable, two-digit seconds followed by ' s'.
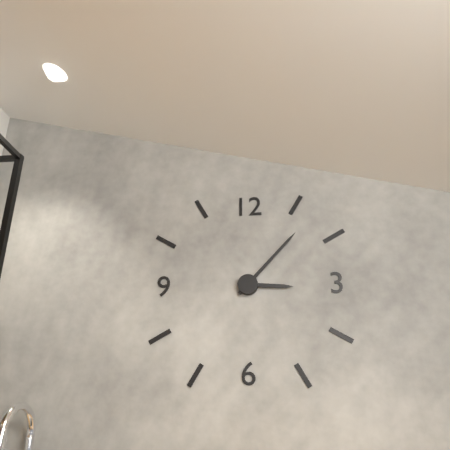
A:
3 h 07 min
